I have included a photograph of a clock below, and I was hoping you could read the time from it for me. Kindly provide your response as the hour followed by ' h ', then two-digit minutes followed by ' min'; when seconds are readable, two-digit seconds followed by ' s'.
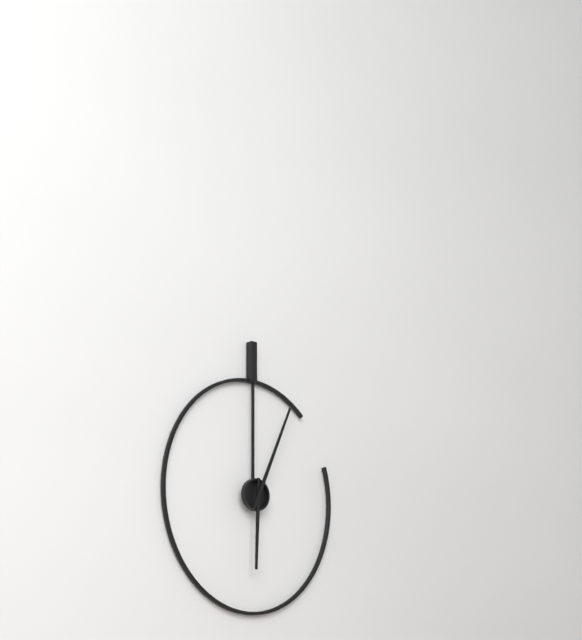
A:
6 h 04 min
